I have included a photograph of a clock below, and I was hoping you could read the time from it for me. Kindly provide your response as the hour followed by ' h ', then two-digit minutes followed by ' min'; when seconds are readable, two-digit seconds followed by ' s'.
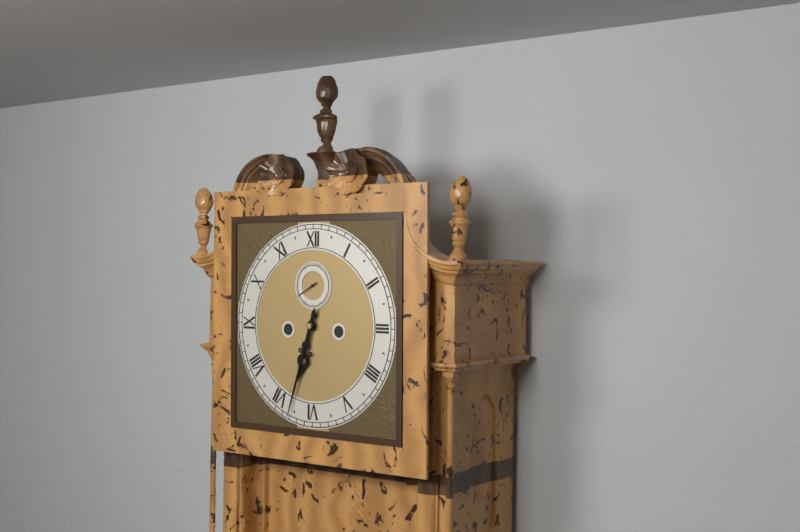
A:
6 h 33 min
